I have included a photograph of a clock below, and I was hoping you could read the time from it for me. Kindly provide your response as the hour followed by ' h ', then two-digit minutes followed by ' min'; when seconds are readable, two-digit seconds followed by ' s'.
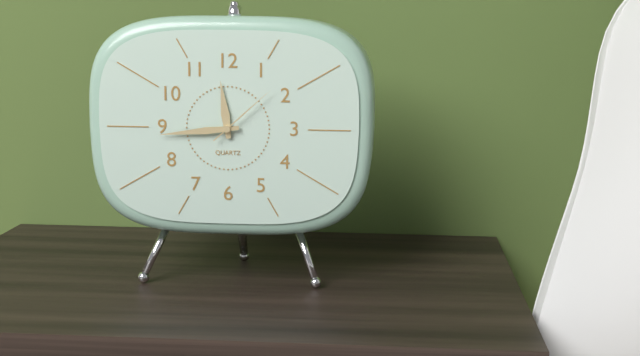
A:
11 h 44 min 08 s
